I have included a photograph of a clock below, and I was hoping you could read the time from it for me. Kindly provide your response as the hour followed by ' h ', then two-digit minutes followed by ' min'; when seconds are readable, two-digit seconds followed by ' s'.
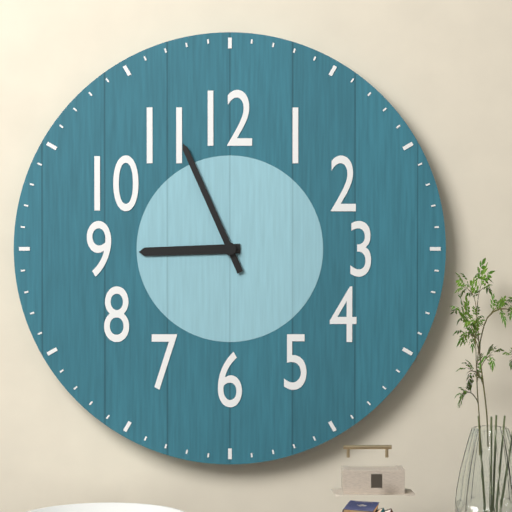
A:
8 h 56 min
